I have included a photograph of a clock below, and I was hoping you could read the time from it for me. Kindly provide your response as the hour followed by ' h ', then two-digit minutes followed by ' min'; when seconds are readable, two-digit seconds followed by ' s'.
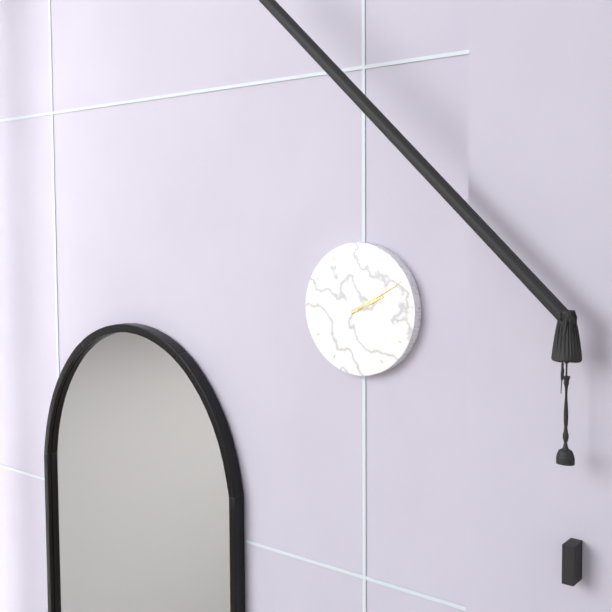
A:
2 h 10 min
